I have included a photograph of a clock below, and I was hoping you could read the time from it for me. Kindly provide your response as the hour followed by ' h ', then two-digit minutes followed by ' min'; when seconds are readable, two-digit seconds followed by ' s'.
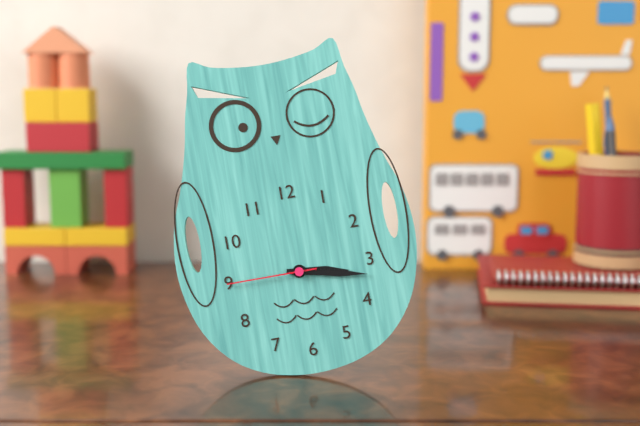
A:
3 h 17 min 45 s
